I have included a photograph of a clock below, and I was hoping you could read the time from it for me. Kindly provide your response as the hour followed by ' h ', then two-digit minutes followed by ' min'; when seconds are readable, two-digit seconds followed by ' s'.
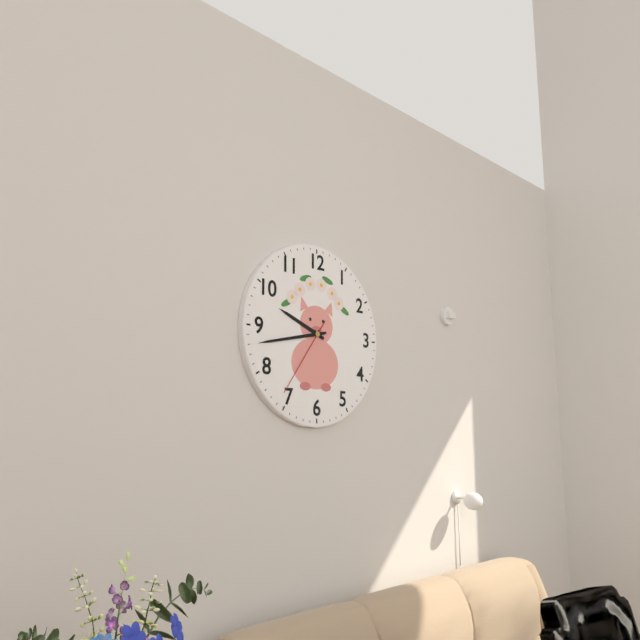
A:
9 h 43 min 36 s
